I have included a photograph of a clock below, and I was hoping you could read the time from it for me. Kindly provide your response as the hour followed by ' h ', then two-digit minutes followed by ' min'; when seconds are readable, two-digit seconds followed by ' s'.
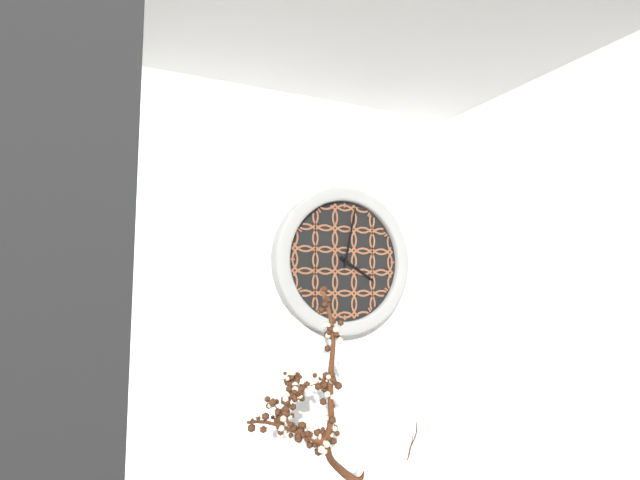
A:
4 h 02 min
